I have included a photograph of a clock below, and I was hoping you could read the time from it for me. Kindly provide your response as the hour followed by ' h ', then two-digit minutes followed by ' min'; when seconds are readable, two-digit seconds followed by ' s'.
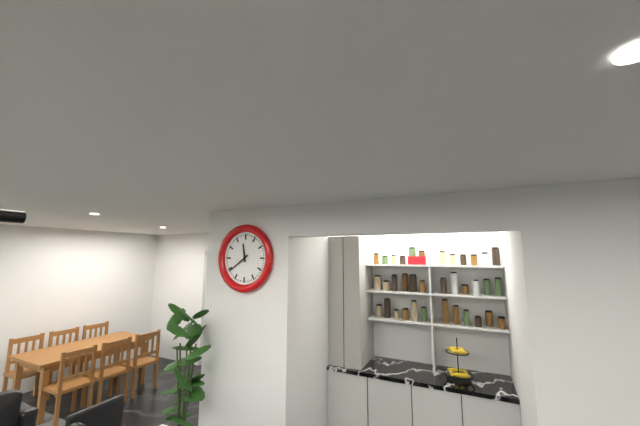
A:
11 h 39 min
